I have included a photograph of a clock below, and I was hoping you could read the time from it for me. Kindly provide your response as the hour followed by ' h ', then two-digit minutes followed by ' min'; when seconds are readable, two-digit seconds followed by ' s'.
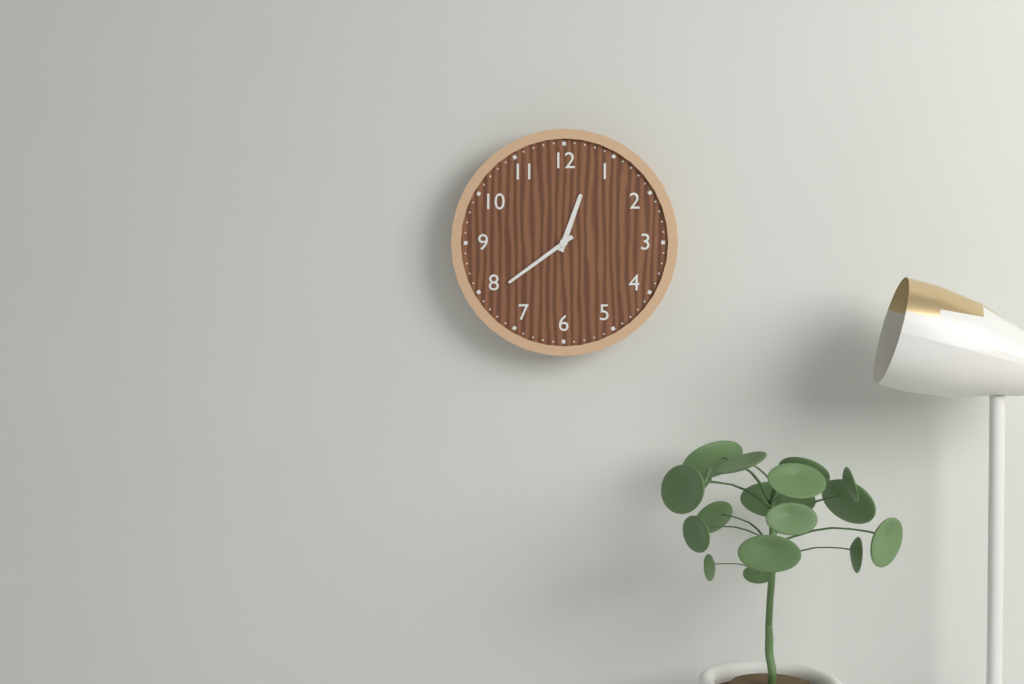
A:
12 h 39 min
